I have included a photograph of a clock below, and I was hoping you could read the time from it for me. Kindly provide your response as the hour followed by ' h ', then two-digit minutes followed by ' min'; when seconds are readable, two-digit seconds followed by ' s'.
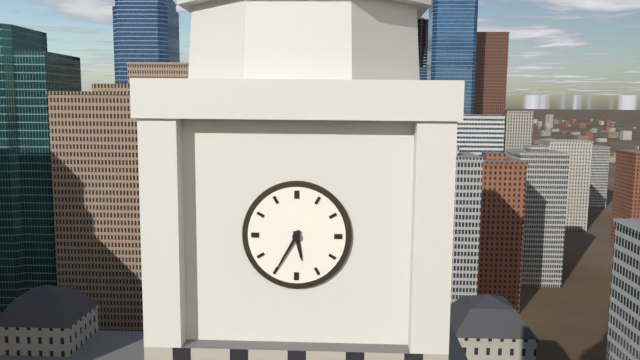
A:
5 h 35 min
